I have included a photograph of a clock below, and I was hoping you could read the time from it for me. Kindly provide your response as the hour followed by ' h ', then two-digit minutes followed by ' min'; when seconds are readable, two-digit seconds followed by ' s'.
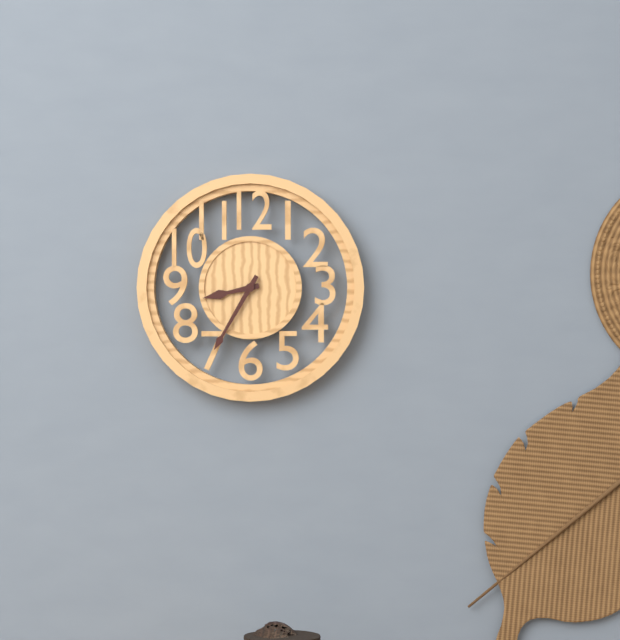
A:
8 h 35 min
